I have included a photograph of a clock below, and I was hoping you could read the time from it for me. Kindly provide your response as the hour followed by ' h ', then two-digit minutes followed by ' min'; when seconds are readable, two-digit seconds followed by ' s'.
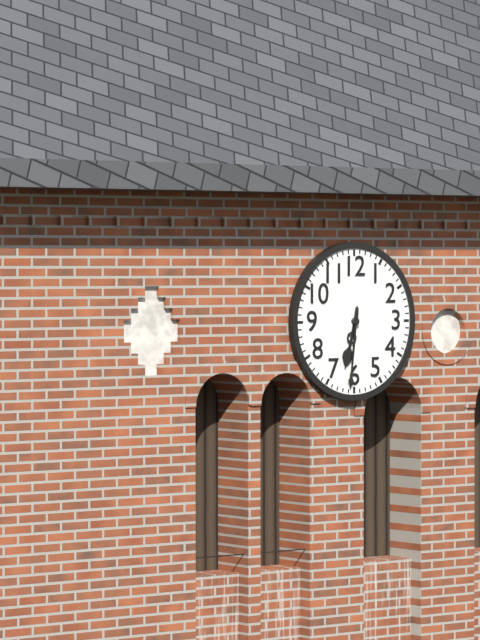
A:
6 h 31 min
